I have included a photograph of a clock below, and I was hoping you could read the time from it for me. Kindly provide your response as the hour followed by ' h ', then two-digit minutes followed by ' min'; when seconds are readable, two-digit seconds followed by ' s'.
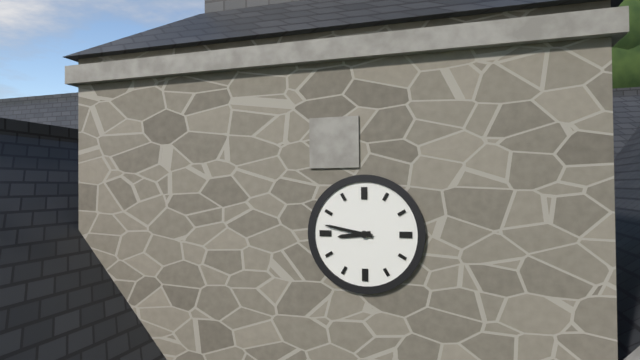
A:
8 h 47 min
